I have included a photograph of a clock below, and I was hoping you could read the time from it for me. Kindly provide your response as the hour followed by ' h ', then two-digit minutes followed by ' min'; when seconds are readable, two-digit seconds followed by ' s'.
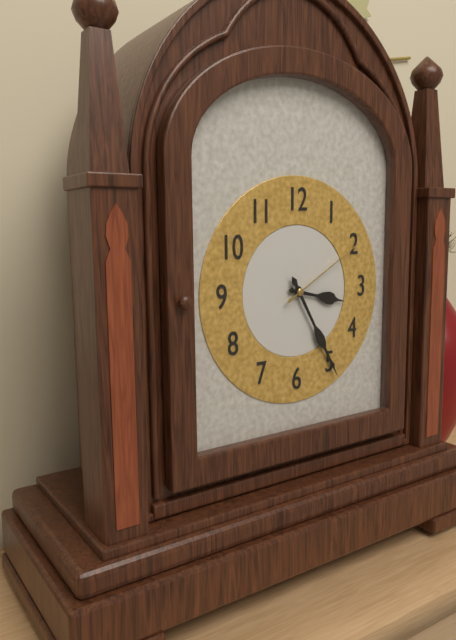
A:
3 h 25 min 10 s
